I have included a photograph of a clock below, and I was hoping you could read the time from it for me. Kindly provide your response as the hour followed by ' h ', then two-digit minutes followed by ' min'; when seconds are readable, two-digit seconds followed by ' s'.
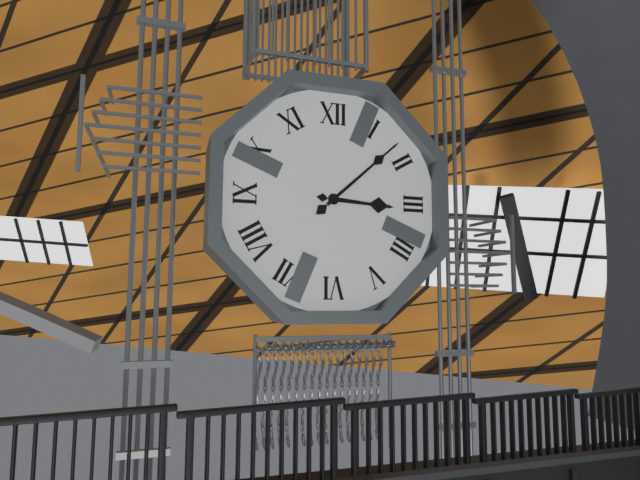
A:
3 h 08 min
